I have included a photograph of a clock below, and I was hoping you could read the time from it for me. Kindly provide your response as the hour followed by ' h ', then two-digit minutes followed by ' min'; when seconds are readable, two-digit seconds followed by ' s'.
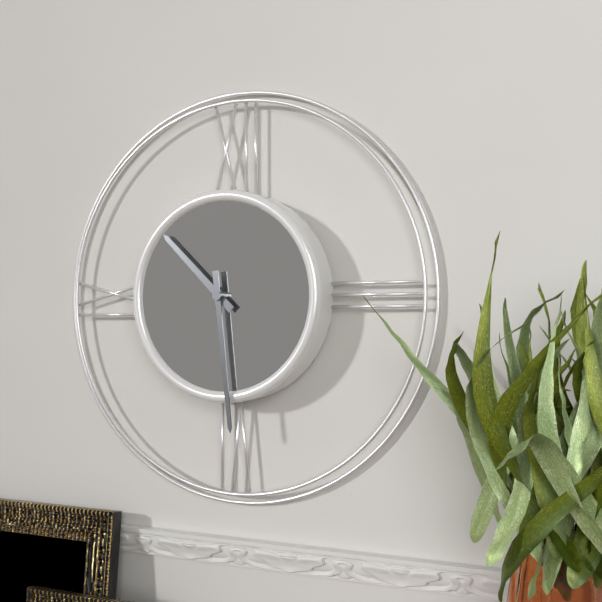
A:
10 h 29 min
